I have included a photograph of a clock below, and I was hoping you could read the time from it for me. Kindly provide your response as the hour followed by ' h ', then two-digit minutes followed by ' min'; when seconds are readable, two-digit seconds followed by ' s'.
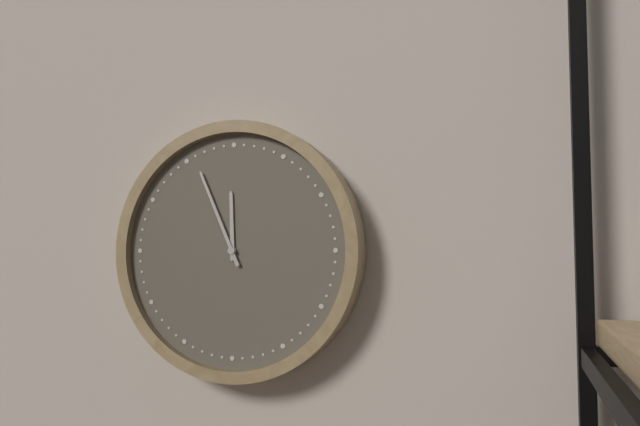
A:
11 h 56 min
